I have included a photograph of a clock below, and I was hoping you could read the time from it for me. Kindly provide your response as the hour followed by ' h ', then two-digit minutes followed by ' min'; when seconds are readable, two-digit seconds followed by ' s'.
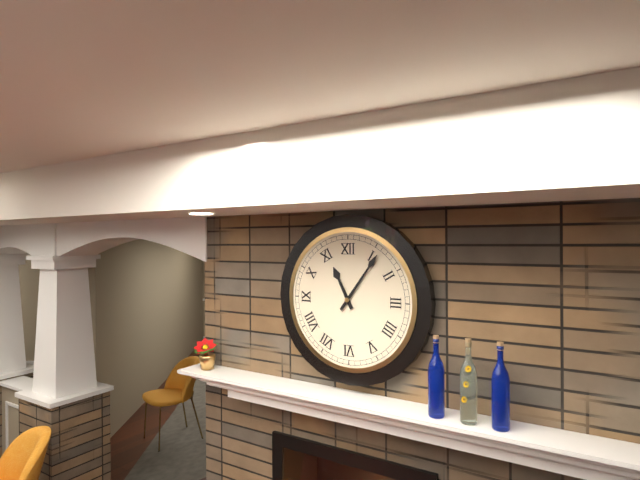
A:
11 h 06 min
